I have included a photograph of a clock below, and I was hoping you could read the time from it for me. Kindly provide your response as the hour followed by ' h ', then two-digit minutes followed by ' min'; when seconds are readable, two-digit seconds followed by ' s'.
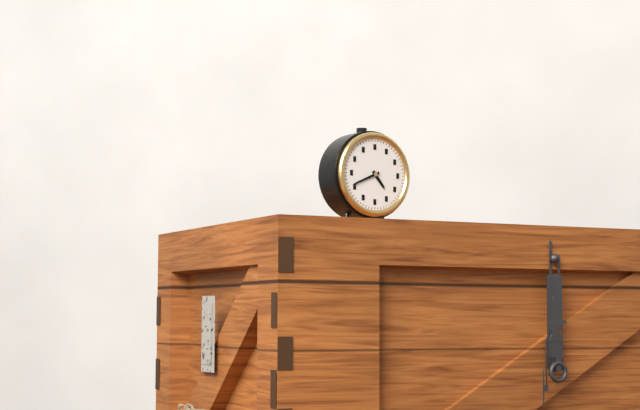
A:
4 h 41 min
